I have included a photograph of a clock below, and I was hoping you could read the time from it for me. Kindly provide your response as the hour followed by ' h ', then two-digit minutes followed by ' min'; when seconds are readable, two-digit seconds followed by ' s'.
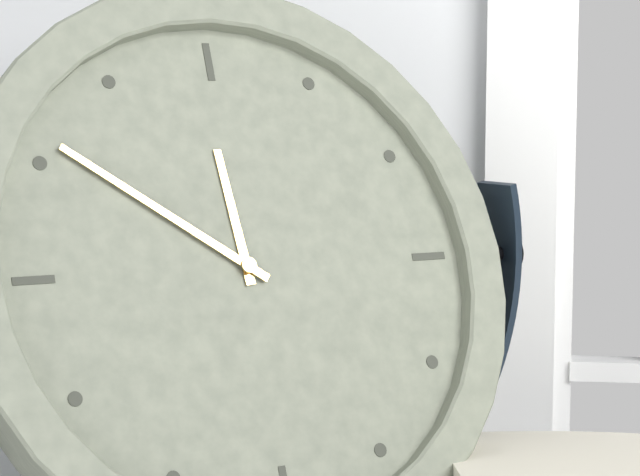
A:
11 h 51 min
